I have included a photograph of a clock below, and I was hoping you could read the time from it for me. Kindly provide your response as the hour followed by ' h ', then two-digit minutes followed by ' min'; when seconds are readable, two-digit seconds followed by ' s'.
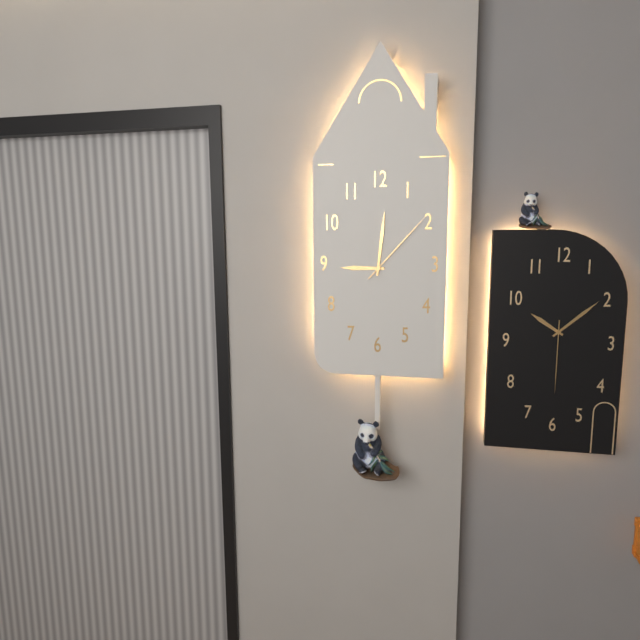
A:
9 h 01 min 07 s
